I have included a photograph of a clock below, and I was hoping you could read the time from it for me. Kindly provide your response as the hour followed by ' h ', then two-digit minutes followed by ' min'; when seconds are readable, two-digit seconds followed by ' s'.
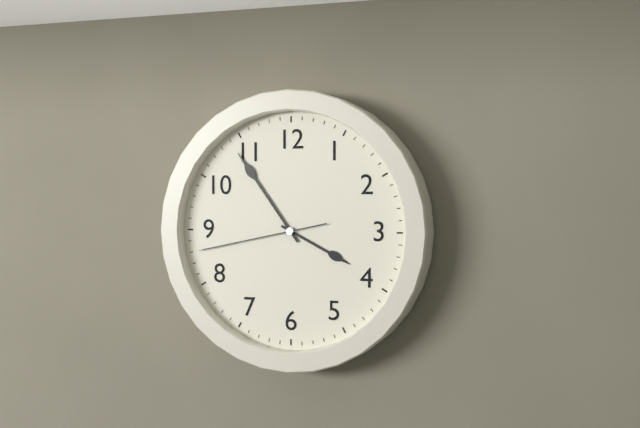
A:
3 h 54 min 43 s
